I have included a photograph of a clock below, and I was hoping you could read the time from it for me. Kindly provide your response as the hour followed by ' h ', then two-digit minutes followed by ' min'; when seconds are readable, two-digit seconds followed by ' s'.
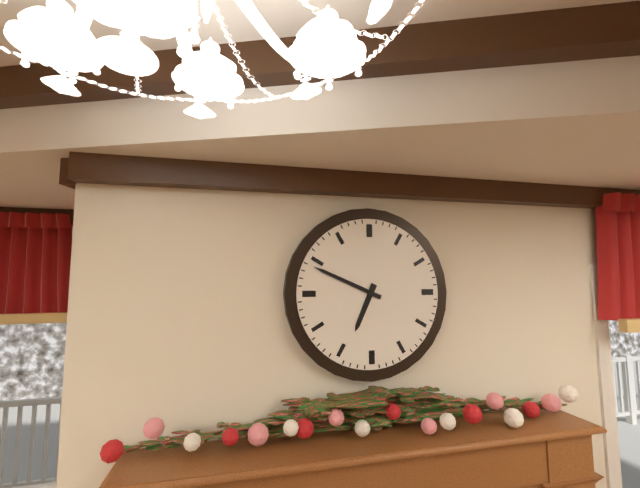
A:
6 h 49 min
